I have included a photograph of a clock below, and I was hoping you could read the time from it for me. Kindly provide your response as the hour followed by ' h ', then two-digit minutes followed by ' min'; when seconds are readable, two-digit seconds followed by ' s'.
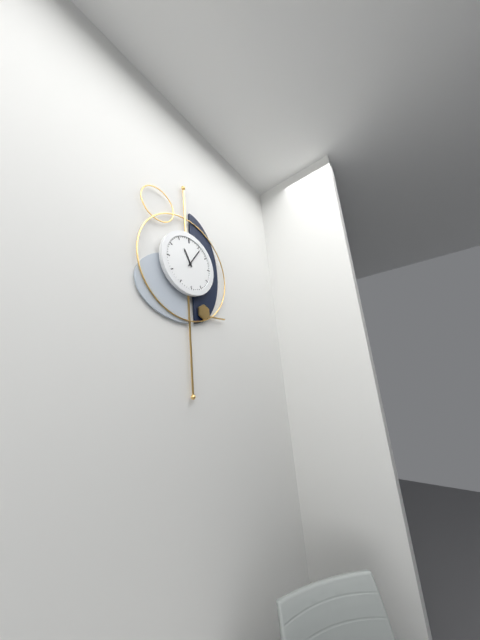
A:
11 h 06 min
